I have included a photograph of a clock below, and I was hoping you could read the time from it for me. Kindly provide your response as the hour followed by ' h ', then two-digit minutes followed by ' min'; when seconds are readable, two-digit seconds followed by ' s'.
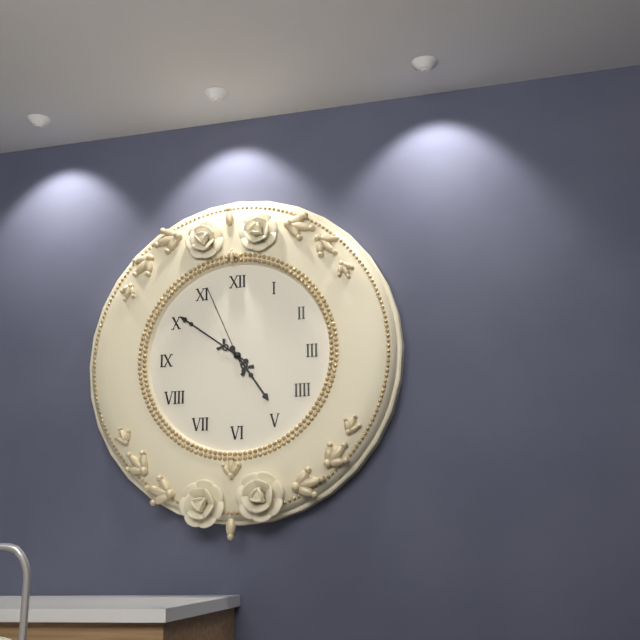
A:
4 h 51 min 56 s
